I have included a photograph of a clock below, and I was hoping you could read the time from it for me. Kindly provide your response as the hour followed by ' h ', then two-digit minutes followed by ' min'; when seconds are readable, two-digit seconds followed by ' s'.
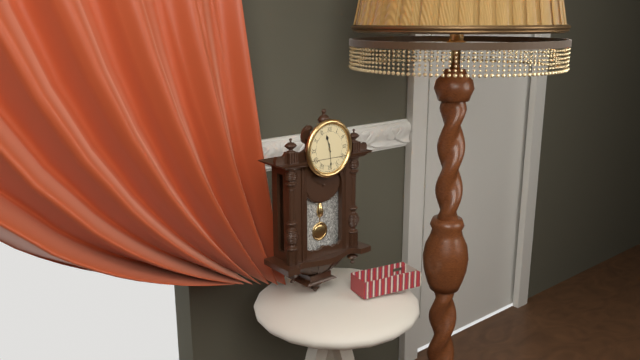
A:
11 h 29 min
